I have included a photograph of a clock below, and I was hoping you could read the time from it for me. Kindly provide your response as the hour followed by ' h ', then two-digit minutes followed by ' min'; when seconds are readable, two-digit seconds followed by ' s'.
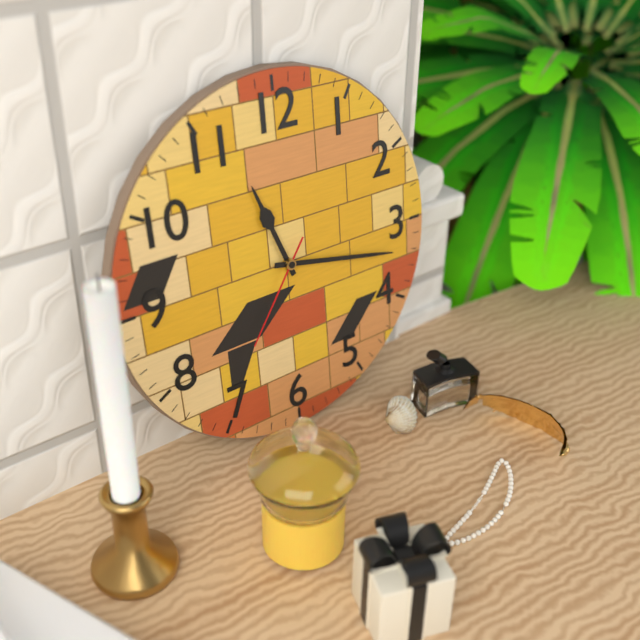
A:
11 h 17 min 36 s
